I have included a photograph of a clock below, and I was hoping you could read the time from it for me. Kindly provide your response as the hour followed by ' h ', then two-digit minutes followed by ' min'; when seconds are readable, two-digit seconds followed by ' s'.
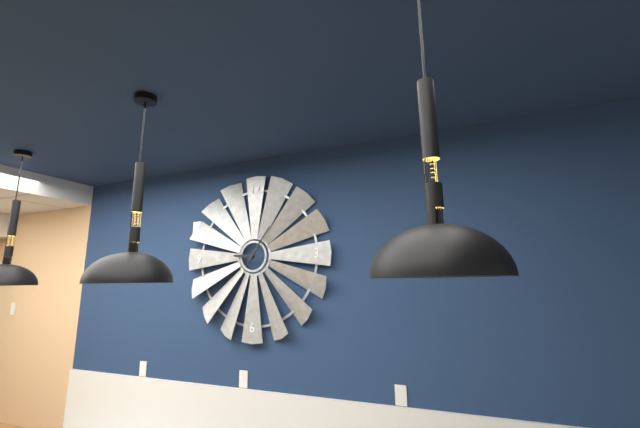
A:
9 h 06 min
